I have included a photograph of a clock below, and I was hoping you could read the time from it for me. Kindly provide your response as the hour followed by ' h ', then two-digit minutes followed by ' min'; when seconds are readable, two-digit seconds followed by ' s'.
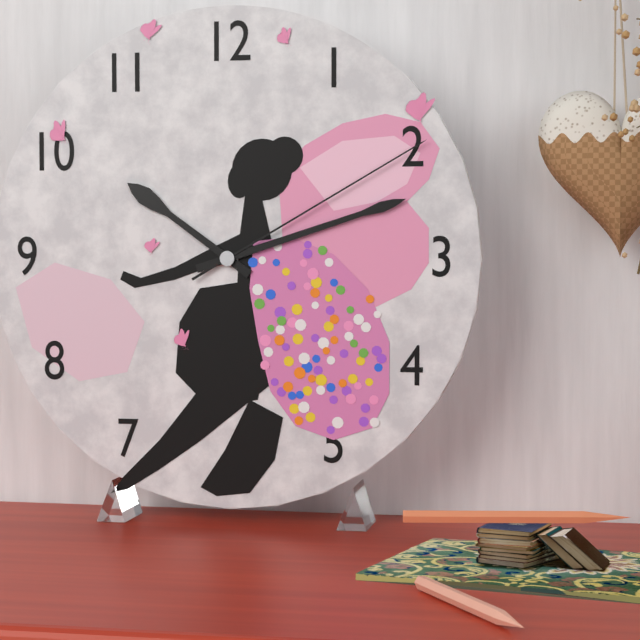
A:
10 h 12 min 10 s
